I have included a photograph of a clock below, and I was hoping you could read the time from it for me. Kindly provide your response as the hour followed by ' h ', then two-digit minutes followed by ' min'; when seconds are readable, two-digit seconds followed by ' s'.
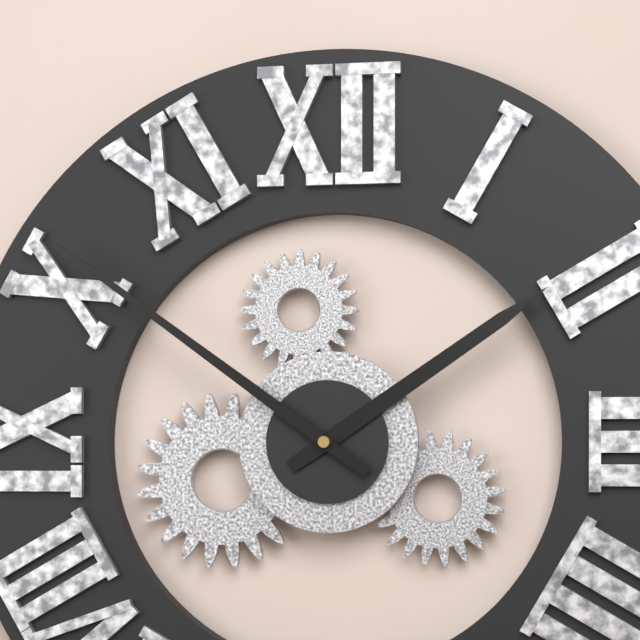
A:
1 h 51 min
